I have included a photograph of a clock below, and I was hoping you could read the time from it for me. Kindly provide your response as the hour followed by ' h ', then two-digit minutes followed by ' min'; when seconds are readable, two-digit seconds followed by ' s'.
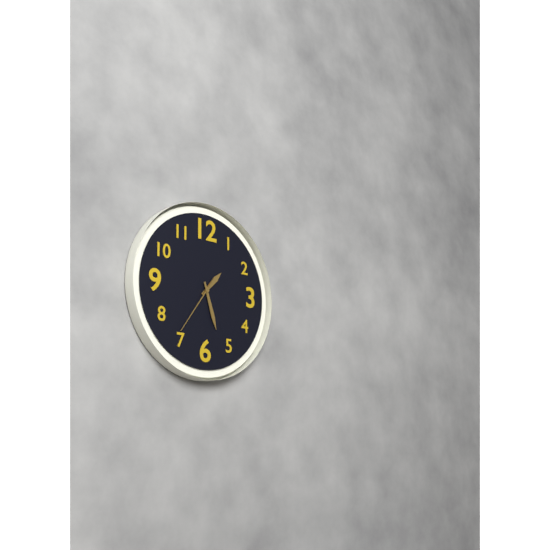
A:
1 h 27 min 36 s
